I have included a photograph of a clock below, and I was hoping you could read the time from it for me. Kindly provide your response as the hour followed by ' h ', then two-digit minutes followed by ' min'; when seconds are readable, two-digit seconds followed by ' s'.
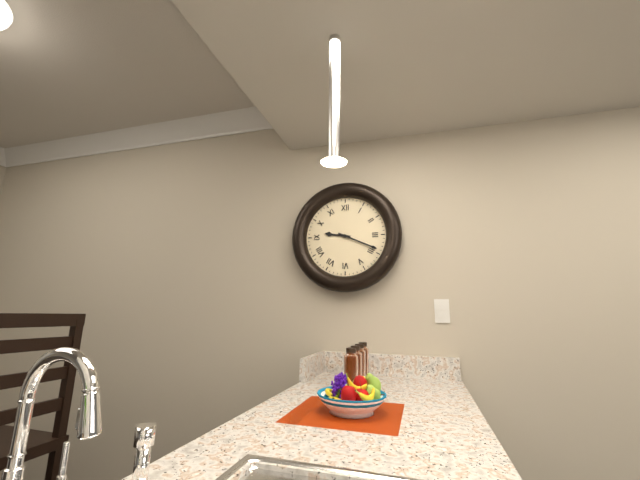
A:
9 h 19 min
